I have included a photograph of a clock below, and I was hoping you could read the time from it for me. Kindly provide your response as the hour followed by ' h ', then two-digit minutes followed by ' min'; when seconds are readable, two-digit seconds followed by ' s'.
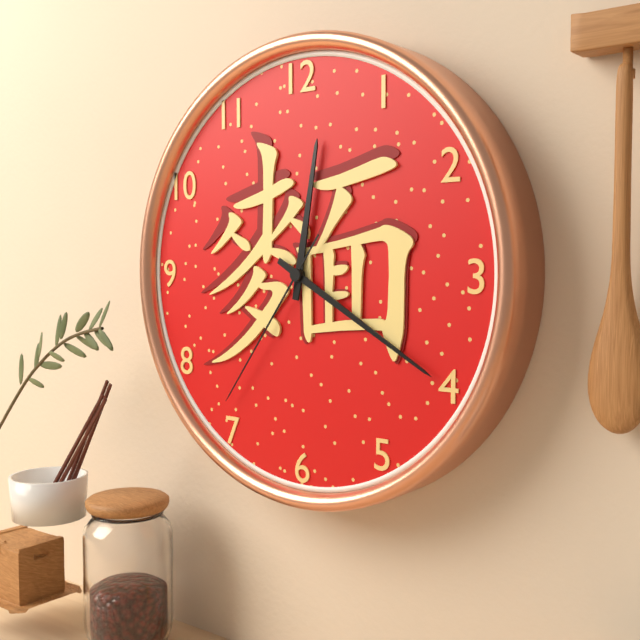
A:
12 h 20 min 36 s
